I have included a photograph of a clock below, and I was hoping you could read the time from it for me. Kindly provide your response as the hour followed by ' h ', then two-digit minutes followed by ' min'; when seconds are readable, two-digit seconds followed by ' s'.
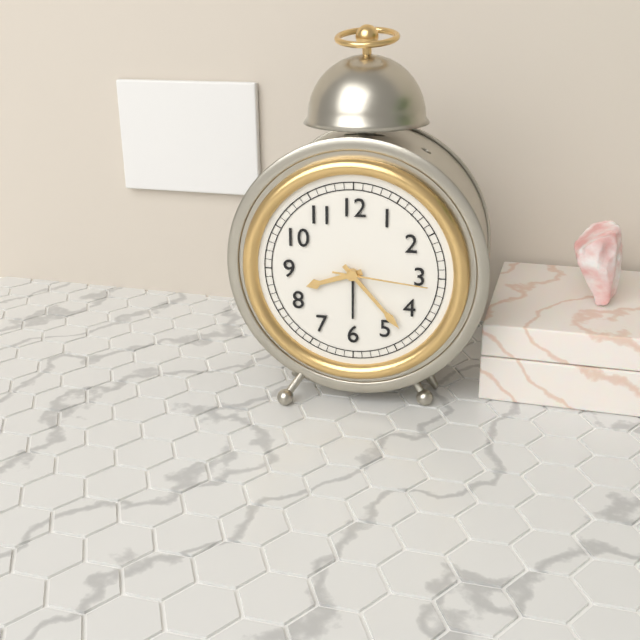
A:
8 h 23 min 16 s
